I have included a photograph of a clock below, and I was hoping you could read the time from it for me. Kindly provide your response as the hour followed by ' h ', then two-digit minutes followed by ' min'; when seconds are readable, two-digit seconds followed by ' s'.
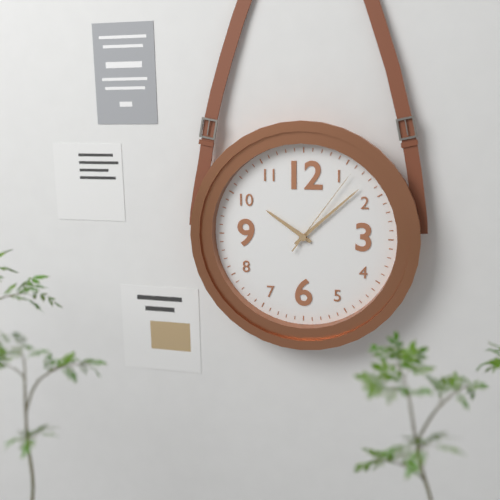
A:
10 h 08 min 06 s
